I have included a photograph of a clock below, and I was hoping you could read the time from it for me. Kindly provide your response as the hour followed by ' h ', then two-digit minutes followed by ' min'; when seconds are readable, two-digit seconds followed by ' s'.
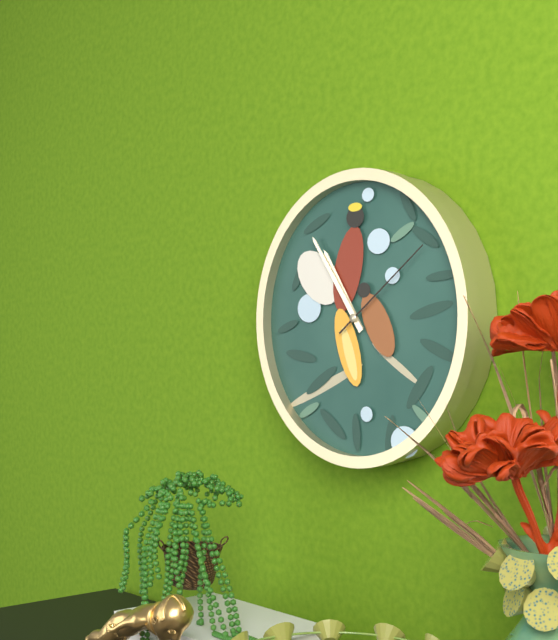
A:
10 h 54 min 09 s
